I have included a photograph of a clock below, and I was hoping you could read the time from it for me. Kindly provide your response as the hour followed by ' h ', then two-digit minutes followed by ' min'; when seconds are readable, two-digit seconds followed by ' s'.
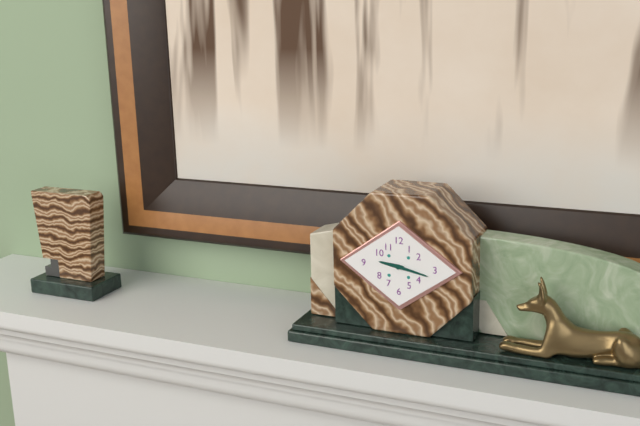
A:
9 h 17 min
